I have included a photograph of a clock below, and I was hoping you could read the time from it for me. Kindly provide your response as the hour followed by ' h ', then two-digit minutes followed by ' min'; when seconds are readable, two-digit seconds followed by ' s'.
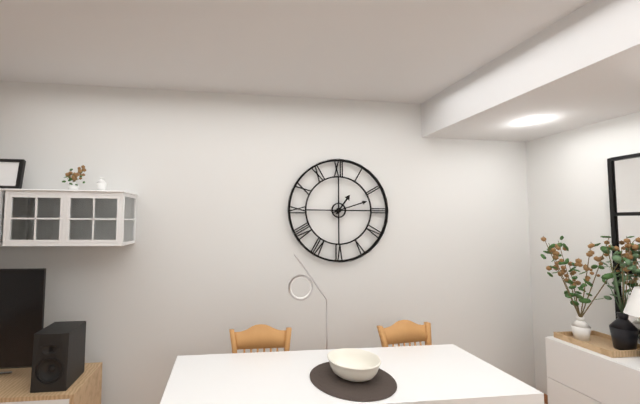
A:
1 h 12 min
